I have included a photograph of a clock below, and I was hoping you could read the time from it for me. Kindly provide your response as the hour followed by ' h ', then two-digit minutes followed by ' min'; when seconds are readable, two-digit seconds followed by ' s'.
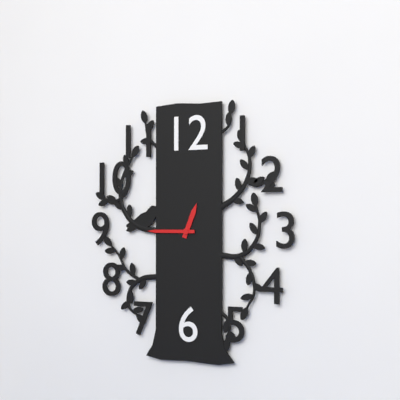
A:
12 h 45 min
